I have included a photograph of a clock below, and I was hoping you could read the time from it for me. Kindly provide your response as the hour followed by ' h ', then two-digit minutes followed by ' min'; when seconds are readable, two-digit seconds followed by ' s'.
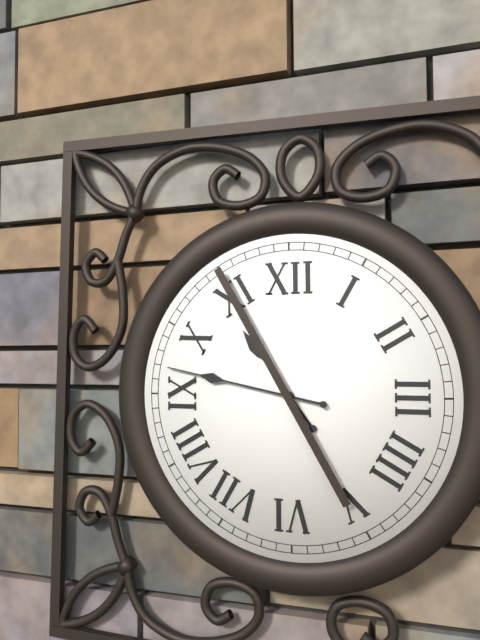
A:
10 h 47 min
